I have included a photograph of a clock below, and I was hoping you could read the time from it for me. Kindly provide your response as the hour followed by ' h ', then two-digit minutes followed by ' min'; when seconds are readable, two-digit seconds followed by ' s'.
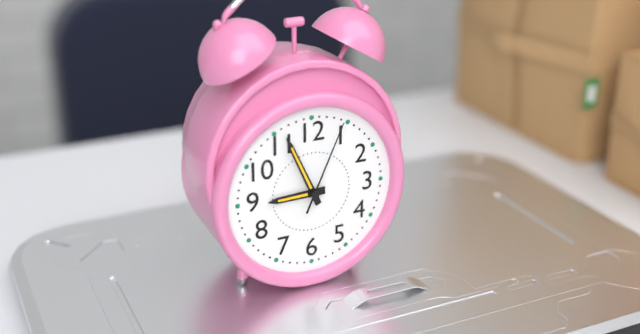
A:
8 h 56 min 04 s
